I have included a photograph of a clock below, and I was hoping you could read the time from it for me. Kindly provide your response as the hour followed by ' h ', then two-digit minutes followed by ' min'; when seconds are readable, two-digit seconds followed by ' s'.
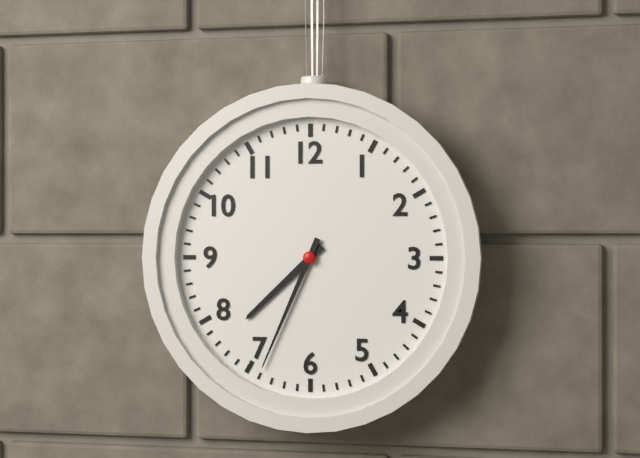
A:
7 h 34 min
